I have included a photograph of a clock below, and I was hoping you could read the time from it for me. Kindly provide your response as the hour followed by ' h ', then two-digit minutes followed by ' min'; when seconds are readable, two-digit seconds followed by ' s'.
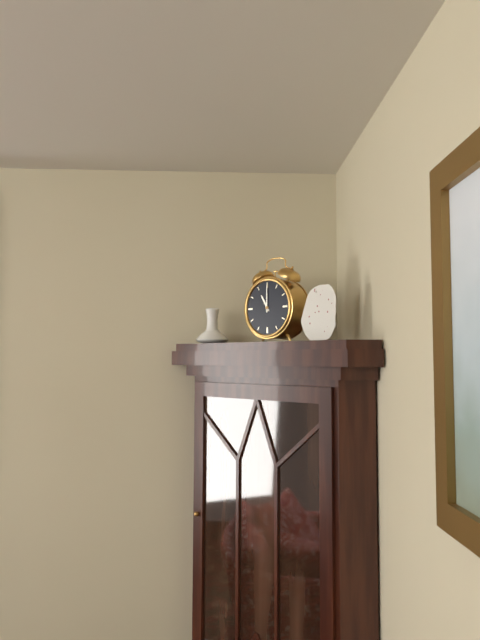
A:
11 h 00 min
